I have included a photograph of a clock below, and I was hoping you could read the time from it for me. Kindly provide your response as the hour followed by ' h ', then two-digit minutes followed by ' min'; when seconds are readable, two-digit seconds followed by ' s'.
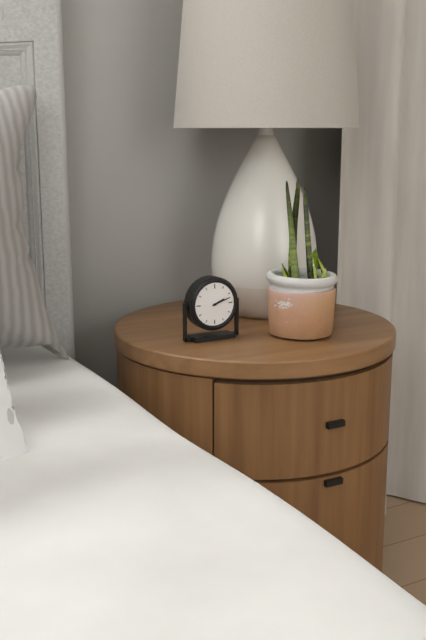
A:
2 h 12 min
